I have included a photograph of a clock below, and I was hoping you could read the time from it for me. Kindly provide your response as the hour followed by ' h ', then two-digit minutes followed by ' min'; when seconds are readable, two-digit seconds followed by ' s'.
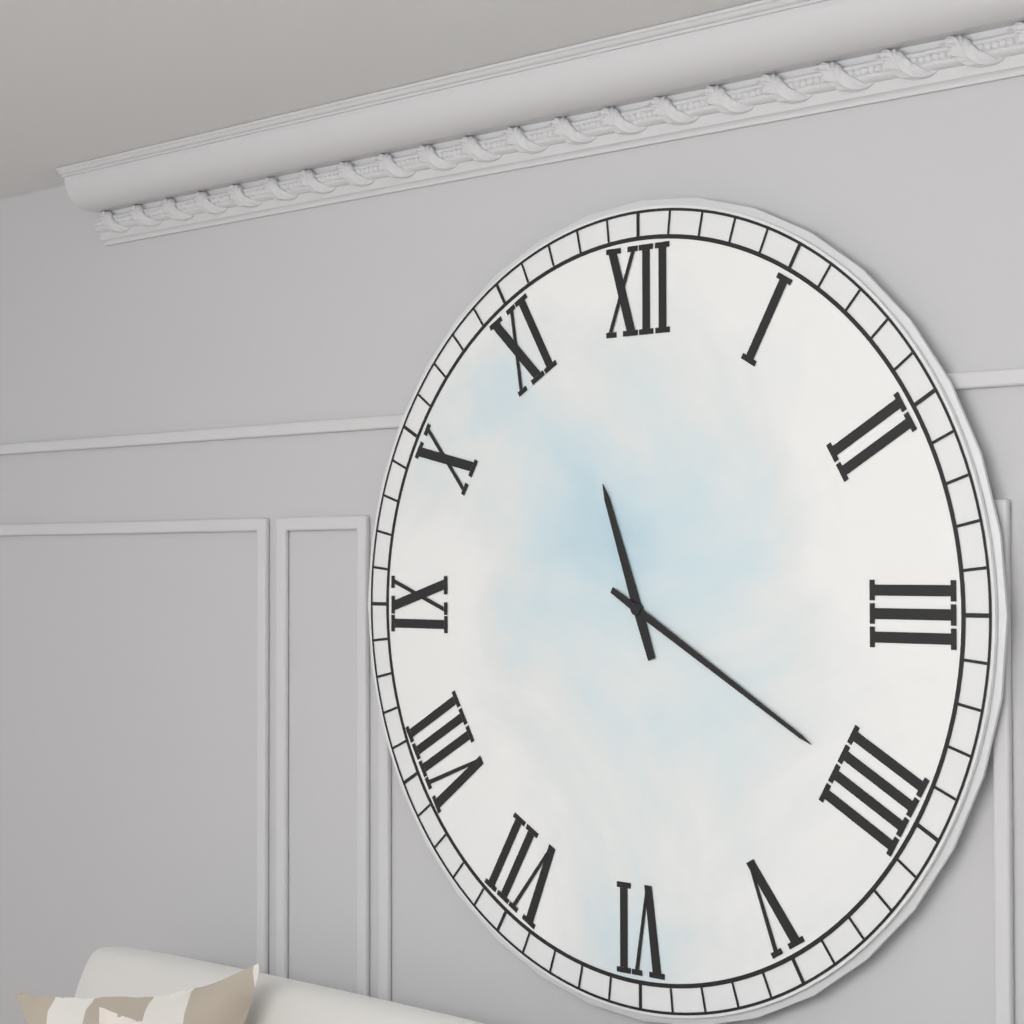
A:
11 h 20 min
